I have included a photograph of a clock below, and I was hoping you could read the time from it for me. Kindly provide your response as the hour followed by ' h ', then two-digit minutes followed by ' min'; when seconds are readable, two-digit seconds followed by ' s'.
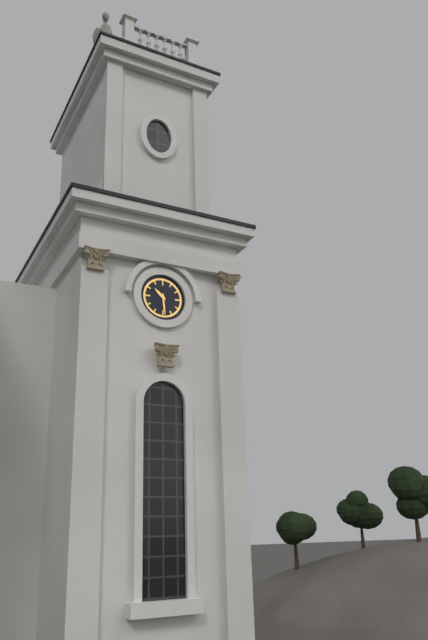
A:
10 h 29 min
